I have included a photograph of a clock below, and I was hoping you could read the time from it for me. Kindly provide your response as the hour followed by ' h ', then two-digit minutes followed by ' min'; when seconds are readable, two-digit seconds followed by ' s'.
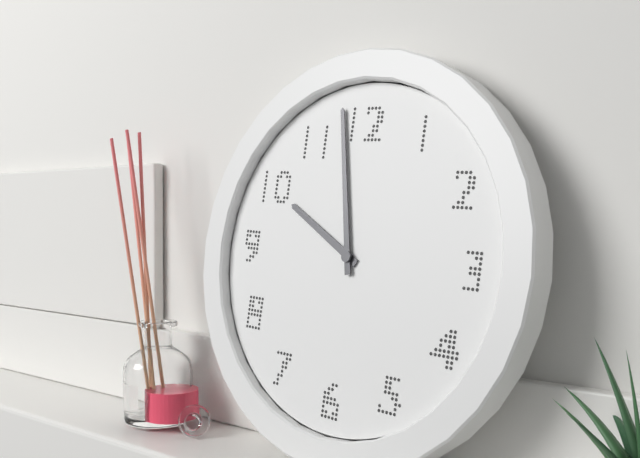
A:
9 h 58 min
